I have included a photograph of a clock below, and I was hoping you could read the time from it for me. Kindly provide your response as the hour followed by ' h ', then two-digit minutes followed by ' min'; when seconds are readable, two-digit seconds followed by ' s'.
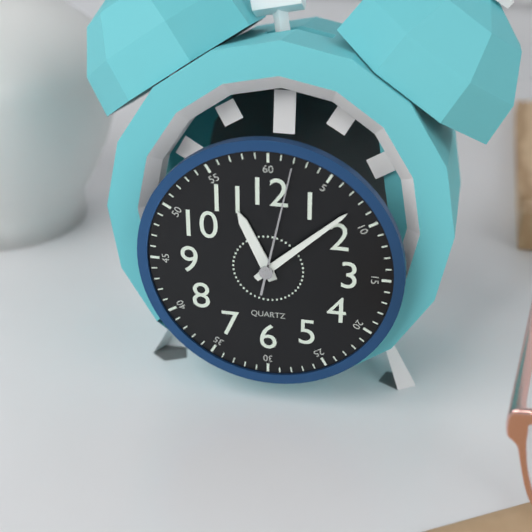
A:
11 h 08 min 02 s
